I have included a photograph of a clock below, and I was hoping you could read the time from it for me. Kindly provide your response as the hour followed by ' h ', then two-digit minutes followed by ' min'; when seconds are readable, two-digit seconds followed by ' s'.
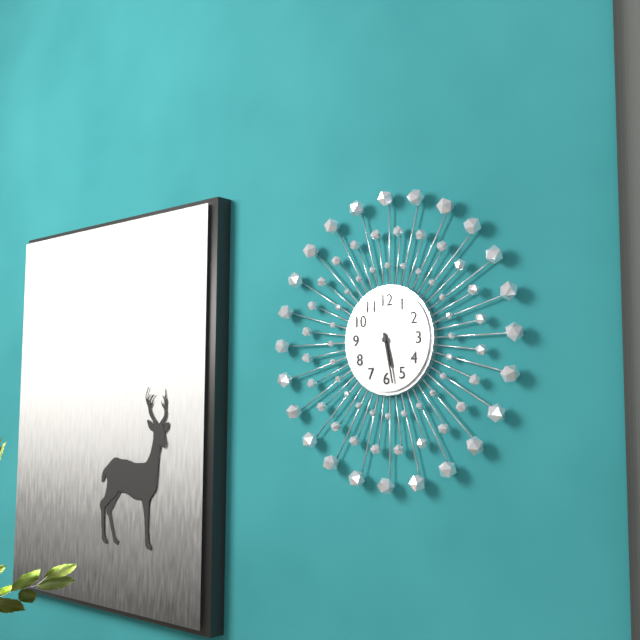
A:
5 h 28 min
